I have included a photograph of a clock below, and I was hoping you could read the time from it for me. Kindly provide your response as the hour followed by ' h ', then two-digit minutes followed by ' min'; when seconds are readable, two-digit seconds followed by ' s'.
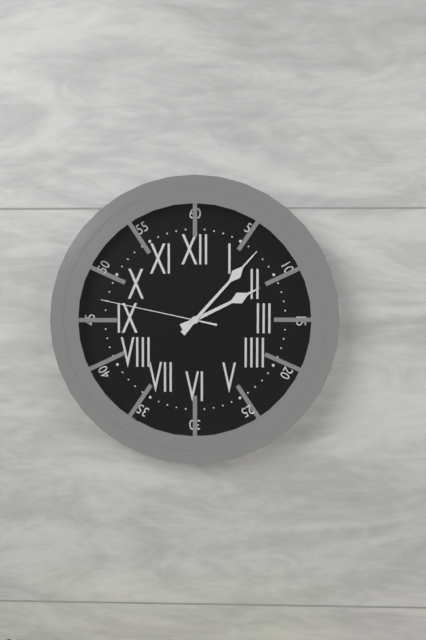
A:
2 h 07 min 47 s
